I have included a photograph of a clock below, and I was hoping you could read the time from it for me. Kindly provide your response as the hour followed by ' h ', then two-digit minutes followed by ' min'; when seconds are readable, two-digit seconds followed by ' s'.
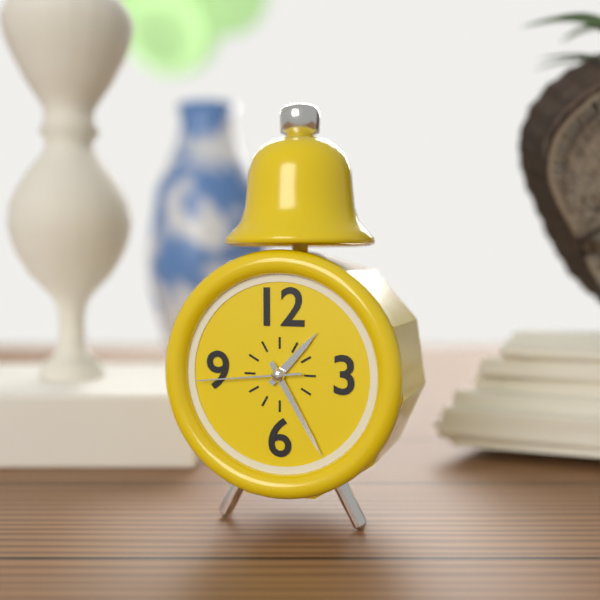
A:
1 h 25 min 44 s
